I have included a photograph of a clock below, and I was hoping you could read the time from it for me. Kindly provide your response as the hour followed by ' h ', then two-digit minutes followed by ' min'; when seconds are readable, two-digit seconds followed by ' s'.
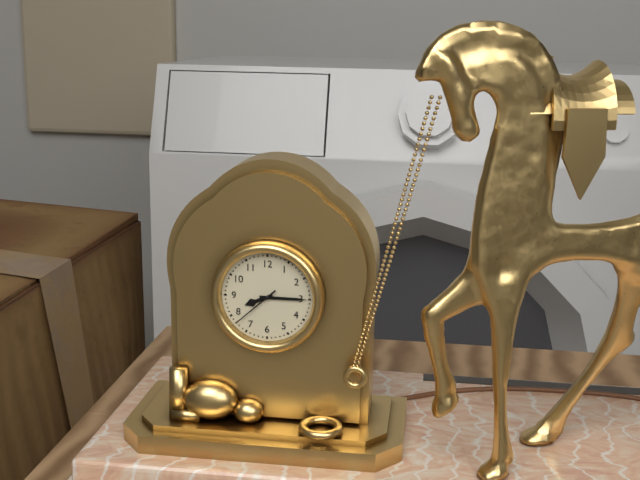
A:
8 h 15 min 38 s
